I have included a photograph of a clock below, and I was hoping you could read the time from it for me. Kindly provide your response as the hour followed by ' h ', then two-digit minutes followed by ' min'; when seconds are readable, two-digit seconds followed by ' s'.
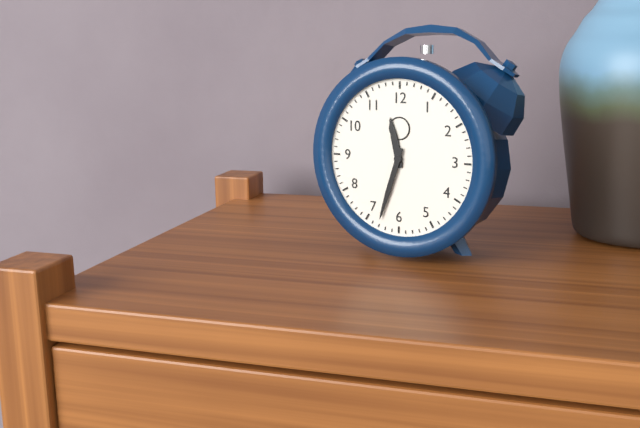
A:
11 h 33 min
